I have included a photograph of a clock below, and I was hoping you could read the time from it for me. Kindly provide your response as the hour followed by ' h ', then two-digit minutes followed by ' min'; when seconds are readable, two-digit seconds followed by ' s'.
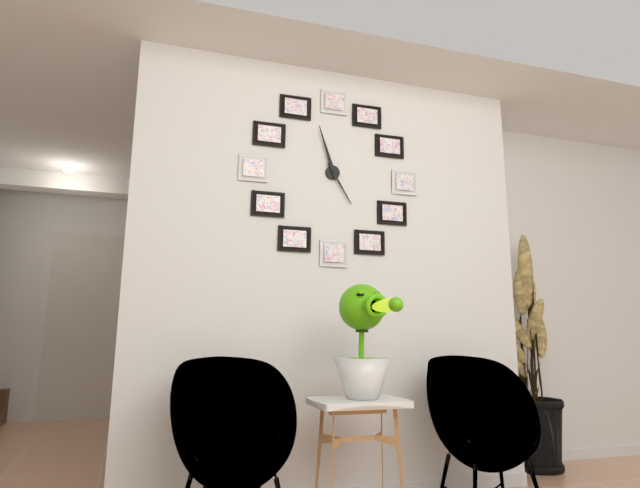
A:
4 h 57 min
